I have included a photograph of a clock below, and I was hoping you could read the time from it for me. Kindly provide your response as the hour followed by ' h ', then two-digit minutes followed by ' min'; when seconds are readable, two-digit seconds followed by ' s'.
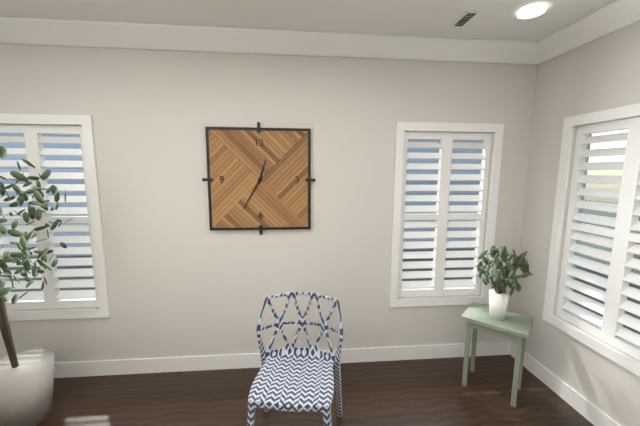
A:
12 h 35 min
